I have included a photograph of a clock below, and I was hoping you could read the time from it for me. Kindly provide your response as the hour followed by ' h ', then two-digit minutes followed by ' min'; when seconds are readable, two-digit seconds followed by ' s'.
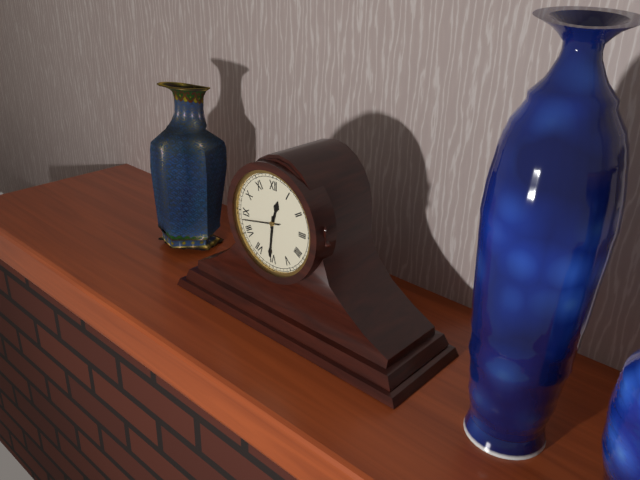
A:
12 h 31 min
